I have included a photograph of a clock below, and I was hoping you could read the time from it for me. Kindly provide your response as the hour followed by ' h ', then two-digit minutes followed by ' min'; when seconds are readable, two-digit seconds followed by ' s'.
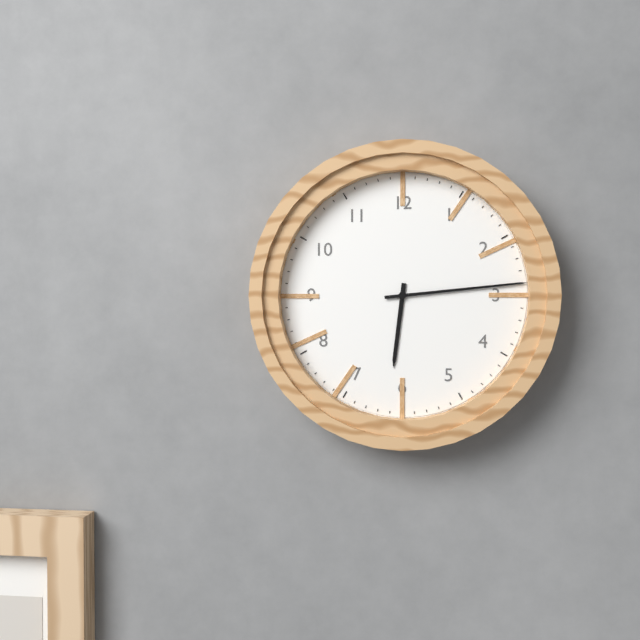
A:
6 h 14 min
